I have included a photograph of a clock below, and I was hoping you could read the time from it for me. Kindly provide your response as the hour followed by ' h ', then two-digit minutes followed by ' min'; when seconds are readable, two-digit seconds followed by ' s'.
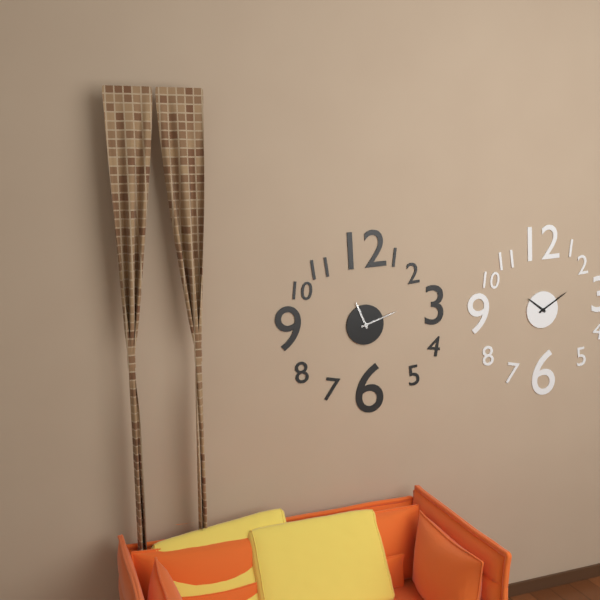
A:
11 h 12 min
